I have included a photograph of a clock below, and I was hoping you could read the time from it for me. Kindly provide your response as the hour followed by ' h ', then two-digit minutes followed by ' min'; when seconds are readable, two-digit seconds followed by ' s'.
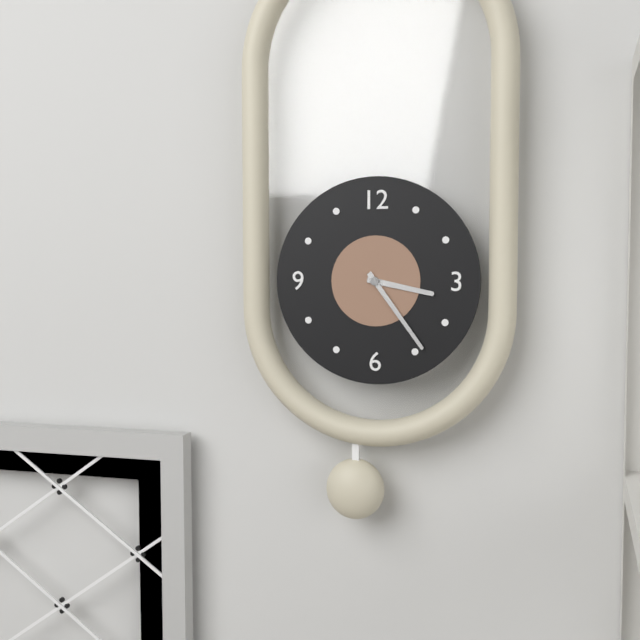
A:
3 h 24 min
